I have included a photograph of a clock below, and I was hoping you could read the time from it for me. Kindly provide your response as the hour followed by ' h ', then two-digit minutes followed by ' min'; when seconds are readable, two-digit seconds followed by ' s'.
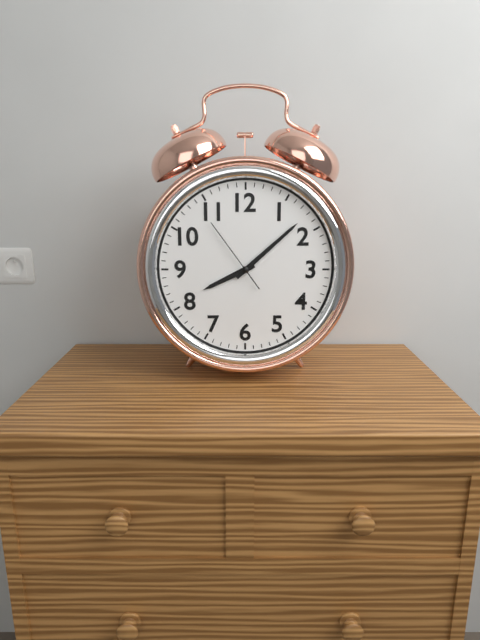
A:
8 h 08 min 54 s
